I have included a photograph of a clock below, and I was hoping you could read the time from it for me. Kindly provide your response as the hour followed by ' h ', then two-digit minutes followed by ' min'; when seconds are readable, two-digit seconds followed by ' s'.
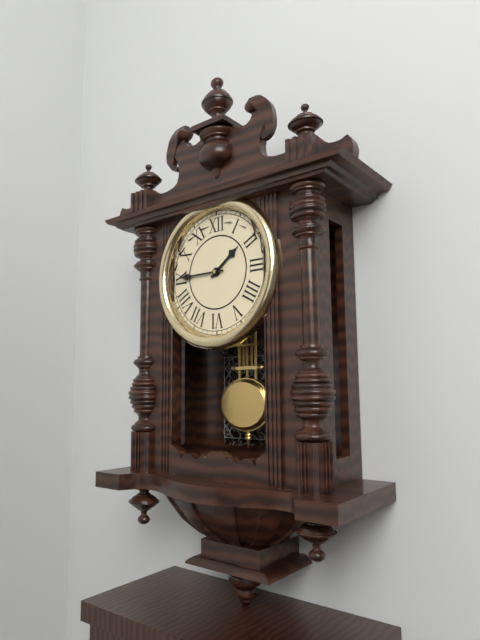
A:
1 h 45 min
